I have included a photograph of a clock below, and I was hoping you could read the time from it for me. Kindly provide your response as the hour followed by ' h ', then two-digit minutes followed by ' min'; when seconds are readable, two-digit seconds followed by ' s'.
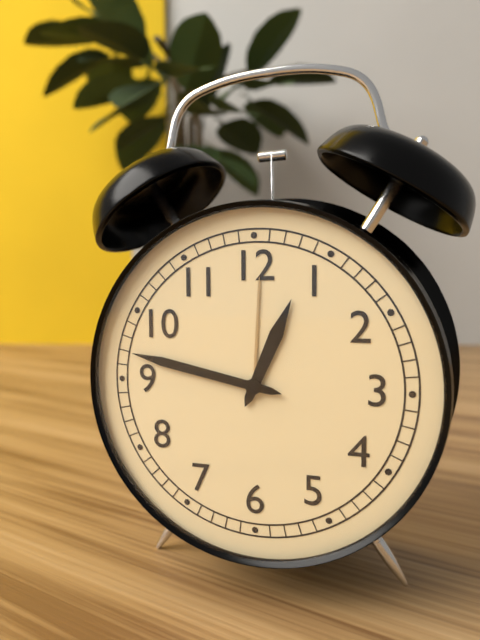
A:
12 h 47 min
